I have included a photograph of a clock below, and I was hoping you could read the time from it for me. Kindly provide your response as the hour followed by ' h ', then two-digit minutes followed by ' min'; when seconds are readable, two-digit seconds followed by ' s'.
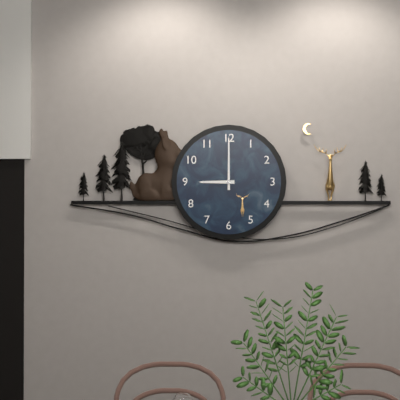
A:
9 h 00 min
